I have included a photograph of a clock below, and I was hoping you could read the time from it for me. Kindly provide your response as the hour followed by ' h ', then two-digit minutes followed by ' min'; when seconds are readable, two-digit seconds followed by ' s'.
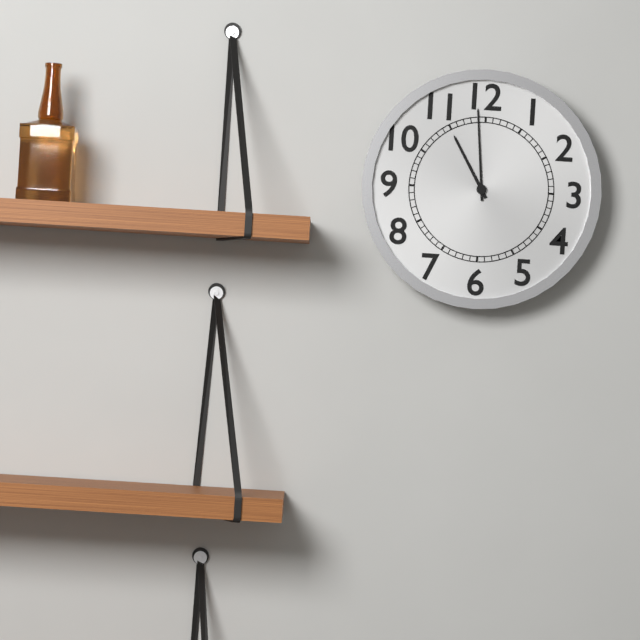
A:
10 h 59 min
